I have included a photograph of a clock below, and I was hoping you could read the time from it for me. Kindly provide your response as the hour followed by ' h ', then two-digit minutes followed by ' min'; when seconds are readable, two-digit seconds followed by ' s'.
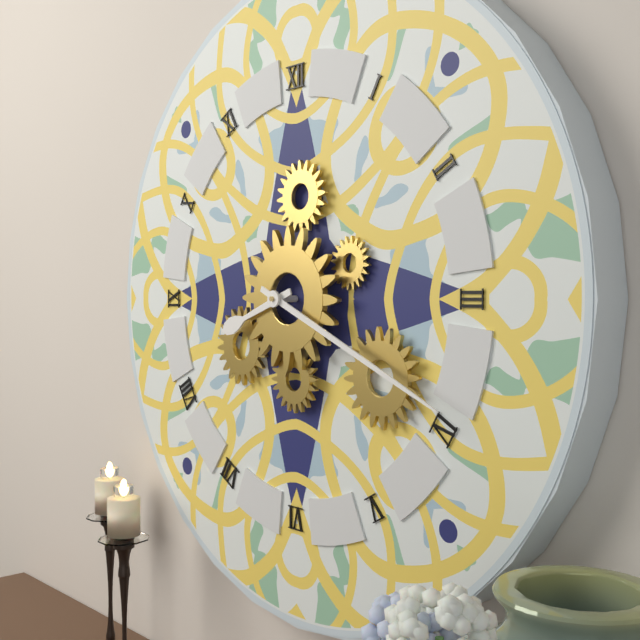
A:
8 h 19 min
